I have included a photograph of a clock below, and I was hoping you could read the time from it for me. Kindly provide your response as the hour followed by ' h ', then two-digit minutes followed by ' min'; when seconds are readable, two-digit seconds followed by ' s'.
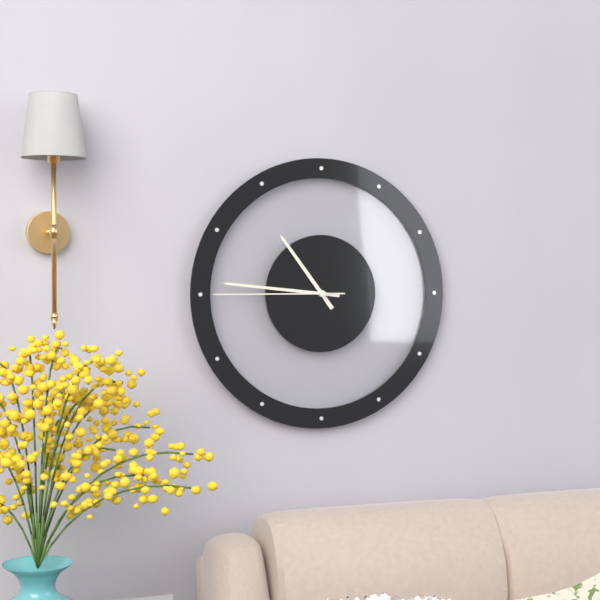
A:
10 h 46 min 45 s
